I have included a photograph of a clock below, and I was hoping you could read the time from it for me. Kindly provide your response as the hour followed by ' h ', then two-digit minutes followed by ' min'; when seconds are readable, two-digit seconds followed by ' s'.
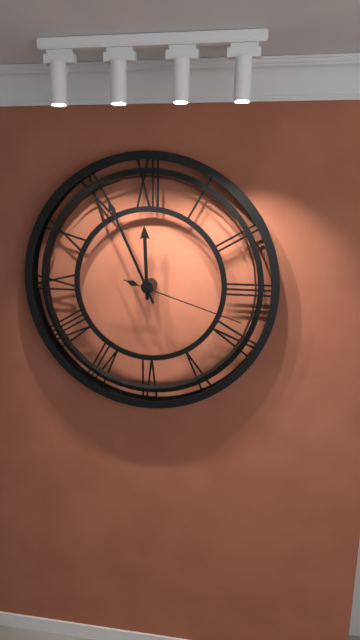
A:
11 h 56 min 18 s
